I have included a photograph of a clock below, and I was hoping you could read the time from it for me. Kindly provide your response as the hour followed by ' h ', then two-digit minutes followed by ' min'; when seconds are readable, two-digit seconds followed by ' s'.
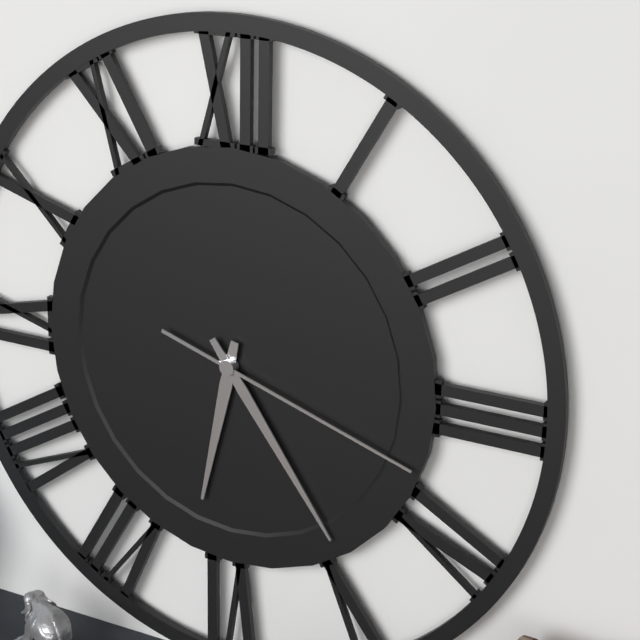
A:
6 h 24 min 18 s
